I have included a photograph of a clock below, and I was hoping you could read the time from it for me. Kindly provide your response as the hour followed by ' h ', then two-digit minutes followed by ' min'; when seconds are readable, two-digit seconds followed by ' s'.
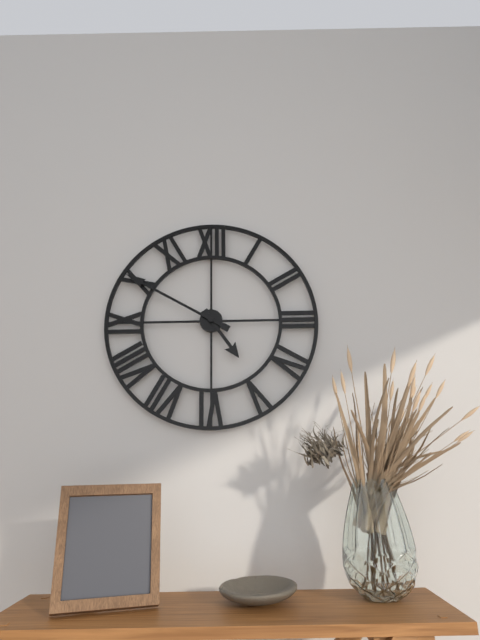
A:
4 h 50 min
